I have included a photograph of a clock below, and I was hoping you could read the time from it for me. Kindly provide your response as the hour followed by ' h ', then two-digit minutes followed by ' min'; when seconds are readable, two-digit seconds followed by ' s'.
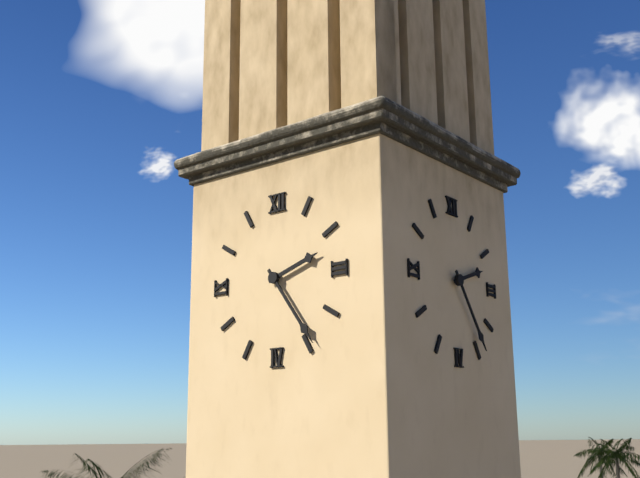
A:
2 h 24 min
